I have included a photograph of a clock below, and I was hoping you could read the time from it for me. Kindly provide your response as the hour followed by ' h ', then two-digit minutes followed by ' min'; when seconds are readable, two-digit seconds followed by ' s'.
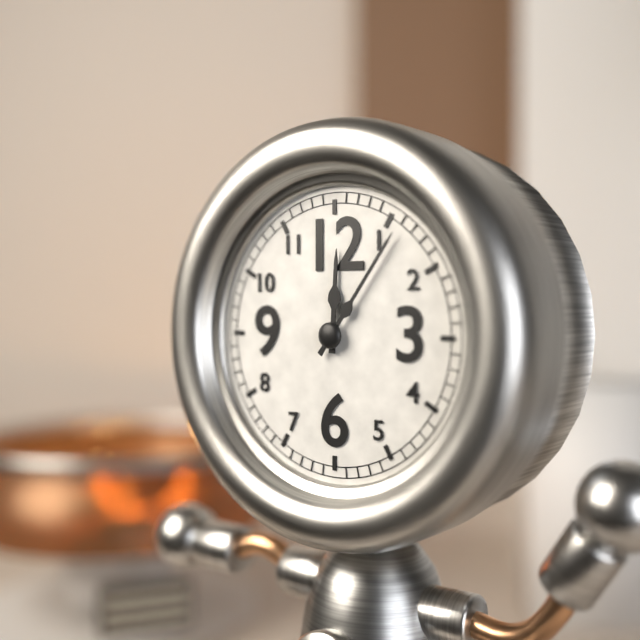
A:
12 h 06 min
